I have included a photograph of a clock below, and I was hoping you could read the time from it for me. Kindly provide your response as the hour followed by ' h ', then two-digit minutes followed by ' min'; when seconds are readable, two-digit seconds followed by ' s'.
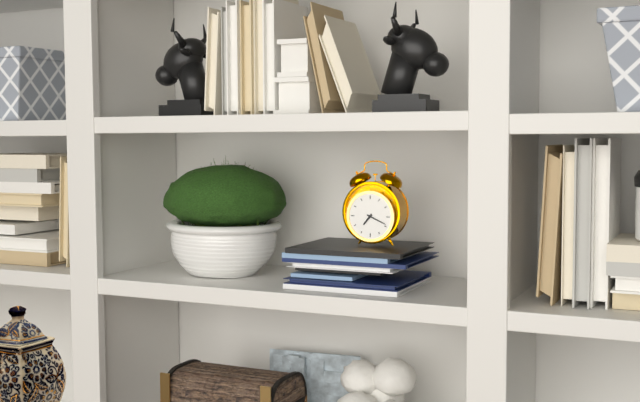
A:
7 h 19 min
